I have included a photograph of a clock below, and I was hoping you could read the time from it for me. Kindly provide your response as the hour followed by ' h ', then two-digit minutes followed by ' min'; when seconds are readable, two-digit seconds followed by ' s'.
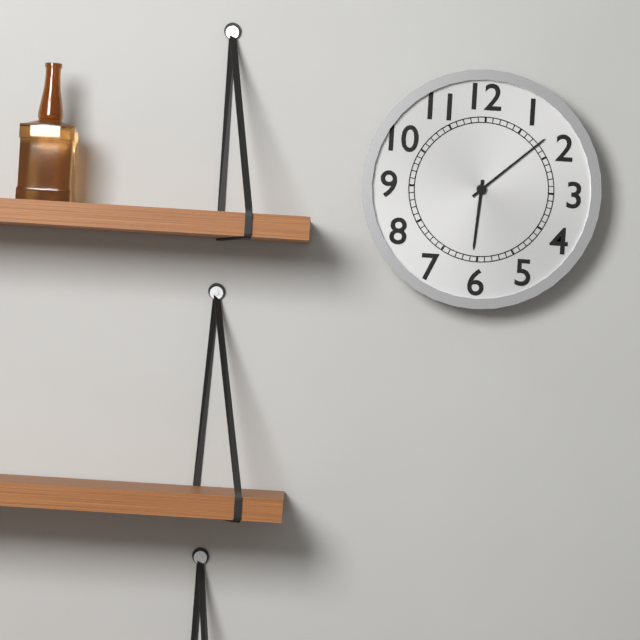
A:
6 h 08 min
